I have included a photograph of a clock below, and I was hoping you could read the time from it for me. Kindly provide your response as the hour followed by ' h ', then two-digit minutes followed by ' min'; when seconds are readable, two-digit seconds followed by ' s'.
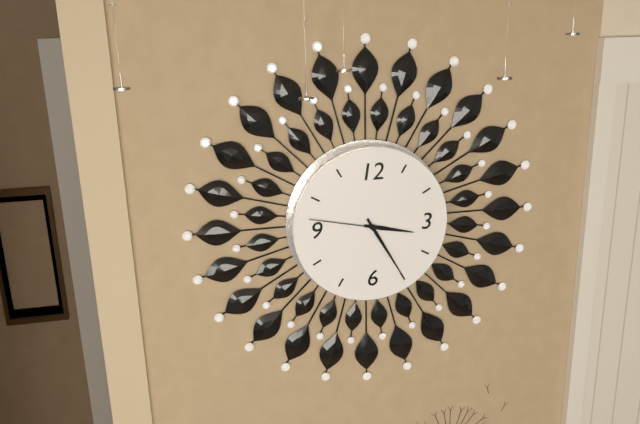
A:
3 h 25 min 47 s
